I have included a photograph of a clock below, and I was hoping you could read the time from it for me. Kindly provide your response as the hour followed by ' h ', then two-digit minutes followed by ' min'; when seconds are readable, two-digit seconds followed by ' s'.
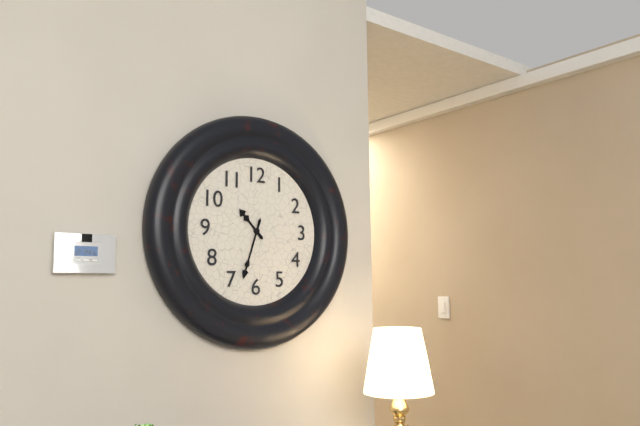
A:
10 h 33 min
